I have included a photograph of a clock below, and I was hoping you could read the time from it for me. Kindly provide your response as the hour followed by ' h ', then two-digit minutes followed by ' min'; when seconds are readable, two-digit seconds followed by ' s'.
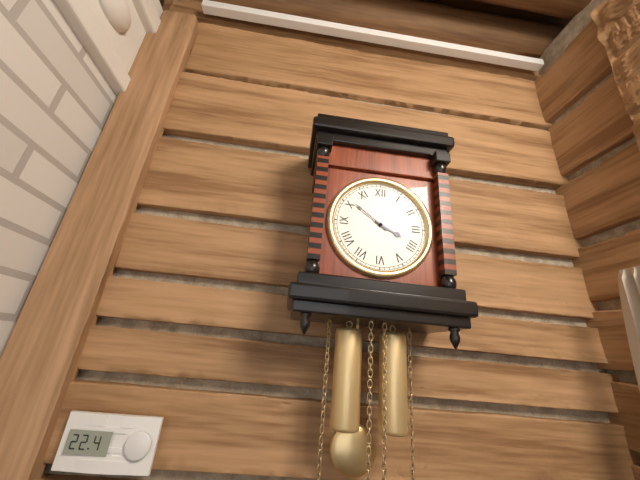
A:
3 h 51 min
